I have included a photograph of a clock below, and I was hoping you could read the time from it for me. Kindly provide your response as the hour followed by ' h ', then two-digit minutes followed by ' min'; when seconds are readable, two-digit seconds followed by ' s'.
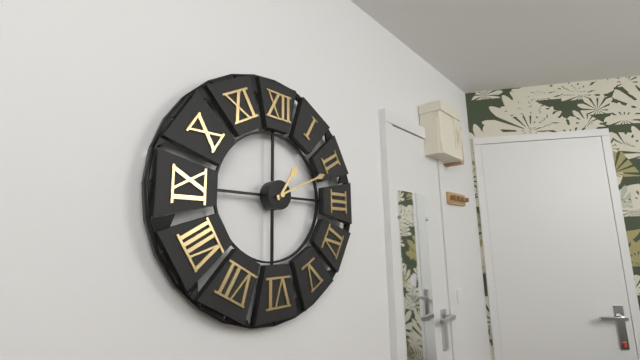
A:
1 h 11 min
